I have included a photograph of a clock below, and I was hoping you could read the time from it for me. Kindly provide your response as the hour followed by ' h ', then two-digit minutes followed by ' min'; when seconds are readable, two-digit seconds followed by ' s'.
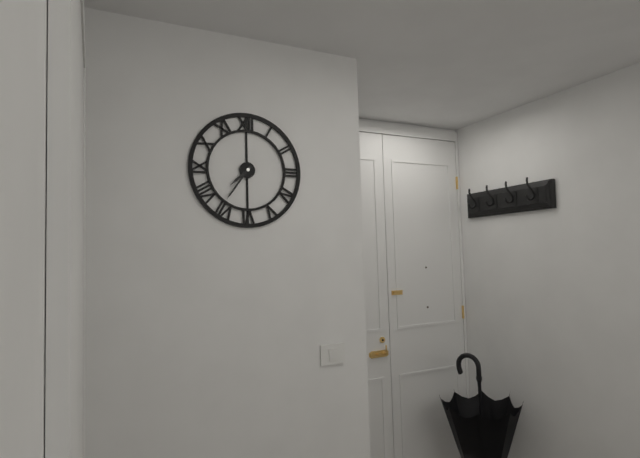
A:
7 h 36 min
